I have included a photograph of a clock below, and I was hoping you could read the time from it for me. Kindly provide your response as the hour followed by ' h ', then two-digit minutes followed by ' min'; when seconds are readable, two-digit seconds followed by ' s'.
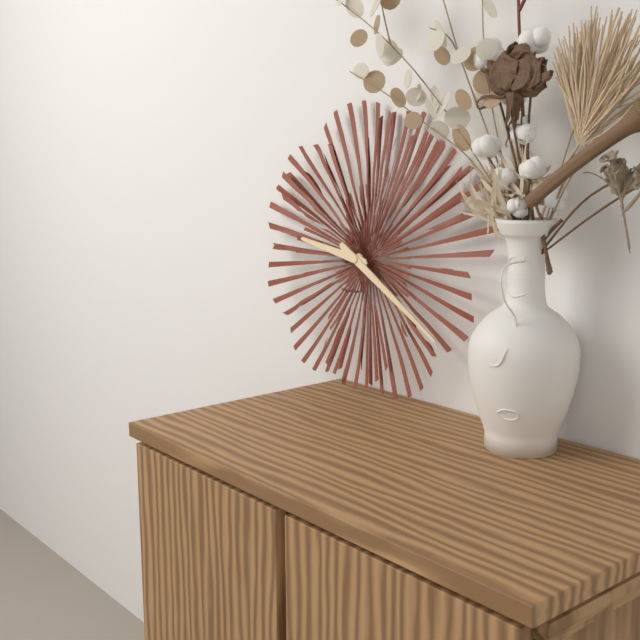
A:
9 h 20 min
